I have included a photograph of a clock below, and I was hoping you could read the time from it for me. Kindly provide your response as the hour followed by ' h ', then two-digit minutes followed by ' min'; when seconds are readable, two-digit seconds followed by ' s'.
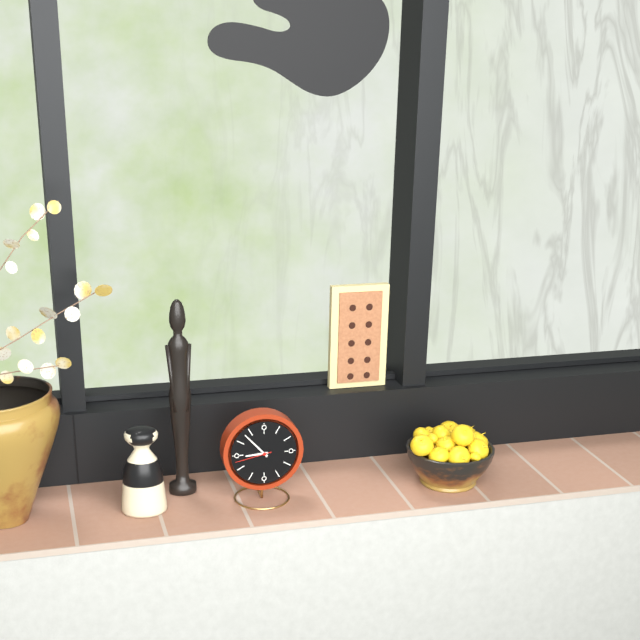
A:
8 h 53 min
